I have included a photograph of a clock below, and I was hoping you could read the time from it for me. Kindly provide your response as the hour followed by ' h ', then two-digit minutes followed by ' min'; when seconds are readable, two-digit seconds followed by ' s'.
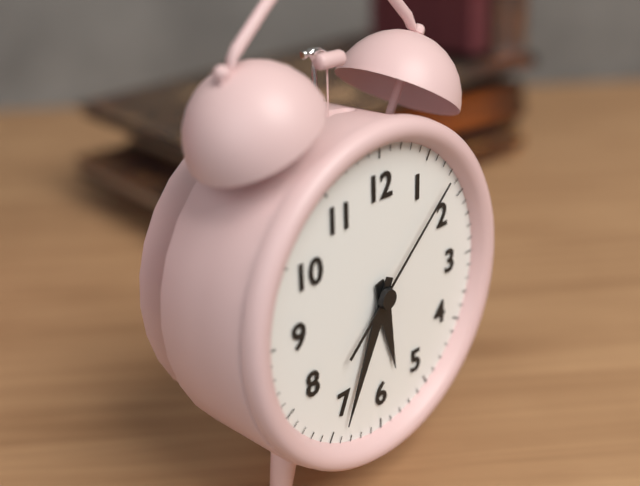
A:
5 h 34 min 08 s
